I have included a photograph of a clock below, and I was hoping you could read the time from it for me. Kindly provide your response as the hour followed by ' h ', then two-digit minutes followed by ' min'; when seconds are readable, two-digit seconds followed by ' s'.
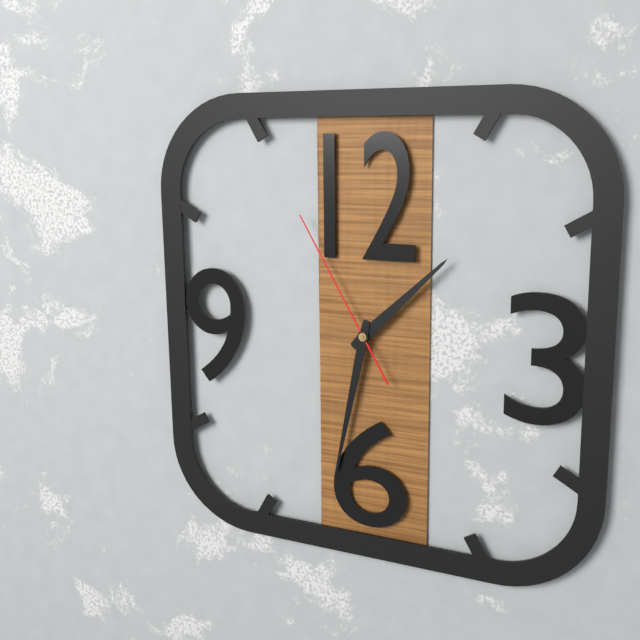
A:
1 h 32 min 55 s
